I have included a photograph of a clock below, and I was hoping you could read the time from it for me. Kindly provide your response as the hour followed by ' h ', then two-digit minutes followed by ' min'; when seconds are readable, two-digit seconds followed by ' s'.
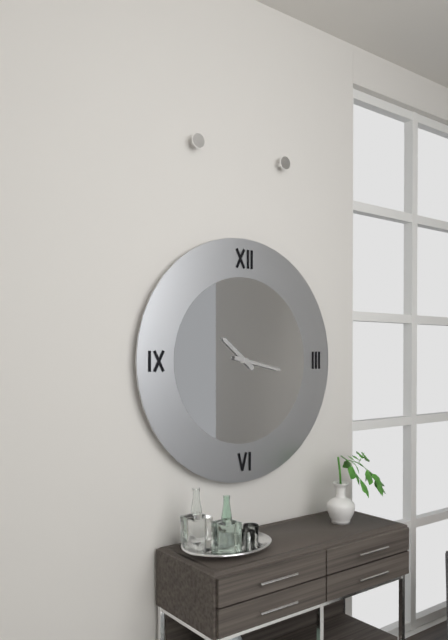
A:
10 h 17 min
